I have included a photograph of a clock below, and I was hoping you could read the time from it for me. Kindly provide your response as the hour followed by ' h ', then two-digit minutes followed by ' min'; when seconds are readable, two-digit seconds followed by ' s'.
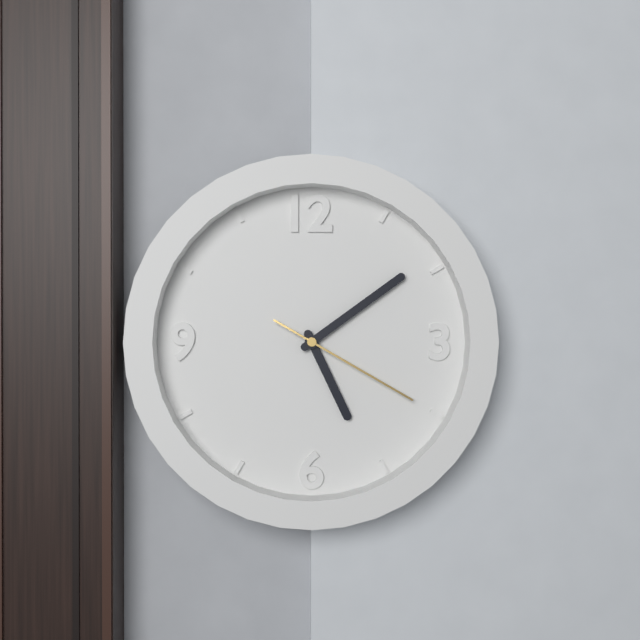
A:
5 h 09 min 20 s
